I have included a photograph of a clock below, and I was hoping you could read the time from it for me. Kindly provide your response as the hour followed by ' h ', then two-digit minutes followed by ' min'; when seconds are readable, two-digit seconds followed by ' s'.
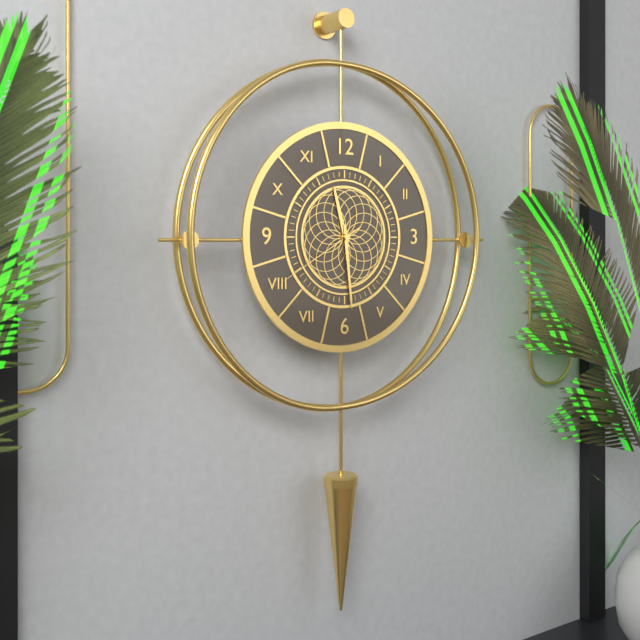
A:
11 h 29 min 40 s
